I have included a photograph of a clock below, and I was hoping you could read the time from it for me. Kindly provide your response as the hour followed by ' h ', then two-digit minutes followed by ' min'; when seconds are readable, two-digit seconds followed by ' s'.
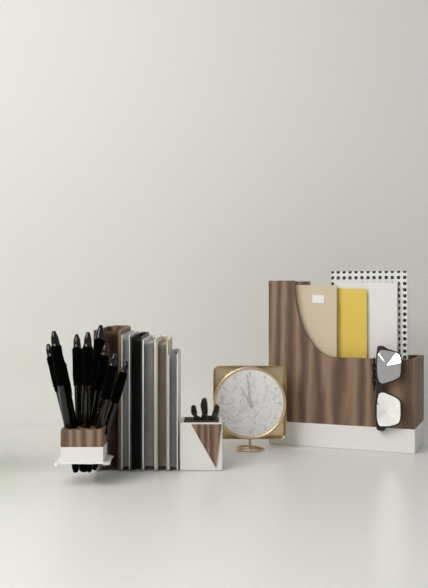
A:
10 h 59 min
